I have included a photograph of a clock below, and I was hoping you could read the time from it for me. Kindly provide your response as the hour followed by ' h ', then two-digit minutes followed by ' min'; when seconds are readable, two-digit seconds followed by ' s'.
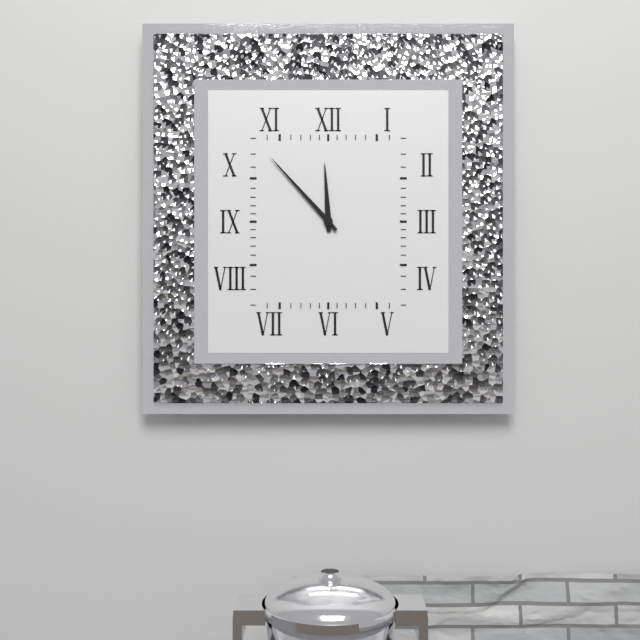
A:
11 h 53 min
